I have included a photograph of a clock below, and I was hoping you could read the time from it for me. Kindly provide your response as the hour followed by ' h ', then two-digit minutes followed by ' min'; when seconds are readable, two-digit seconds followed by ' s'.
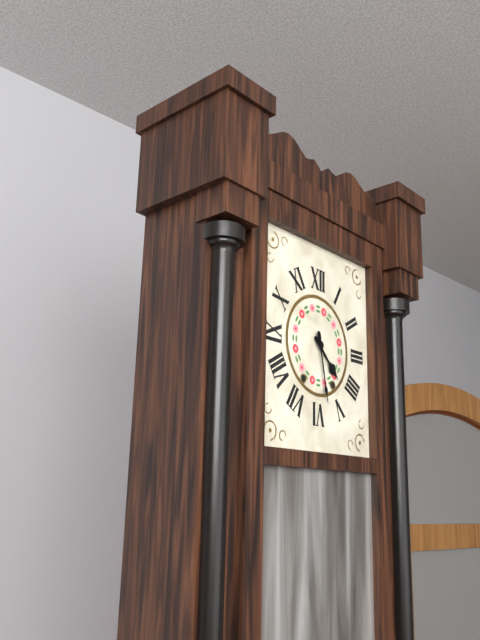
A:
4 h 28 min
